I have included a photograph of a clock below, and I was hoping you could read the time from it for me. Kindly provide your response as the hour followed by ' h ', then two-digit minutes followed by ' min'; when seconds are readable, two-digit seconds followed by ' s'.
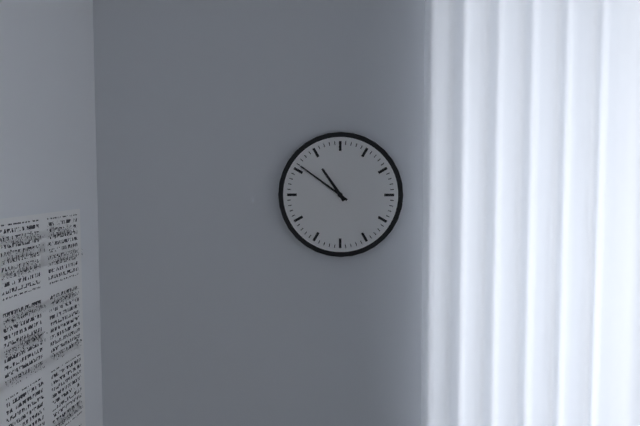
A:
10 h 51 min
